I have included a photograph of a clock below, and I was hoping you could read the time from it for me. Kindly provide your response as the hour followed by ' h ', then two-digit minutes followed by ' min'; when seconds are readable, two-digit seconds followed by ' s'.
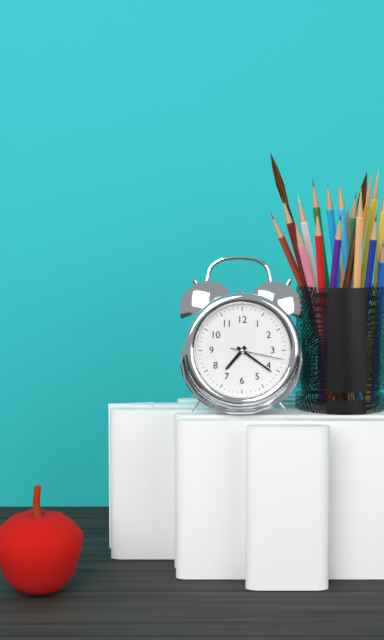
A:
7 h 21 min 17 s
